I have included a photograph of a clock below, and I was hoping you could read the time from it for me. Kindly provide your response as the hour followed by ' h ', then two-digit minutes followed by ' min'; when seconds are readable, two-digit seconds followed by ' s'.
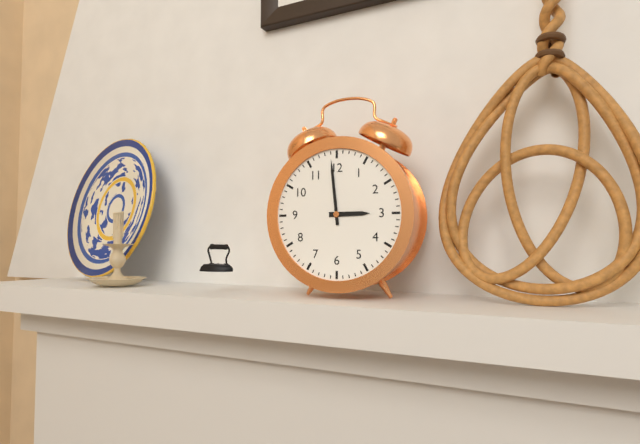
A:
2 h 59 min
